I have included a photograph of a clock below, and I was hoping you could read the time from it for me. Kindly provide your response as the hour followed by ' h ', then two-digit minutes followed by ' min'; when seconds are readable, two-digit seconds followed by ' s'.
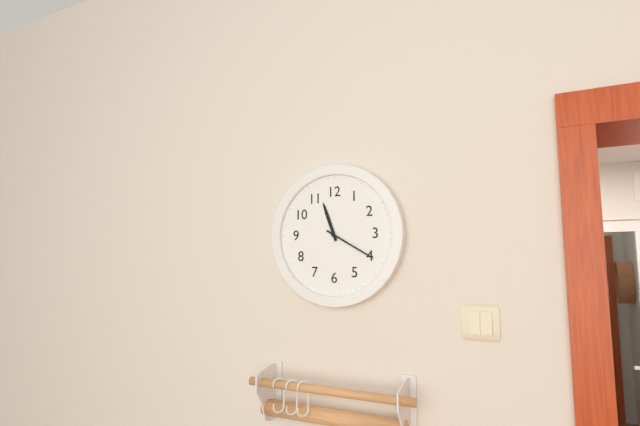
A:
11 h 20 min
